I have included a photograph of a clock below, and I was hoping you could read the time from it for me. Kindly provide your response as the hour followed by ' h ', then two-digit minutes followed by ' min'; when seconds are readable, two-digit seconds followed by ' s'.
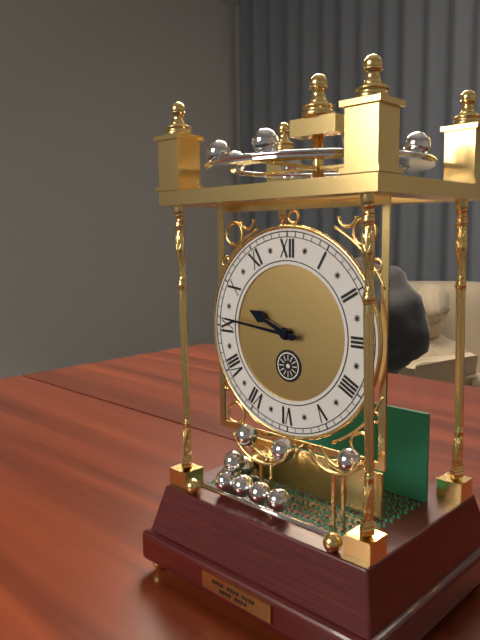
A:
9 h 46 min
